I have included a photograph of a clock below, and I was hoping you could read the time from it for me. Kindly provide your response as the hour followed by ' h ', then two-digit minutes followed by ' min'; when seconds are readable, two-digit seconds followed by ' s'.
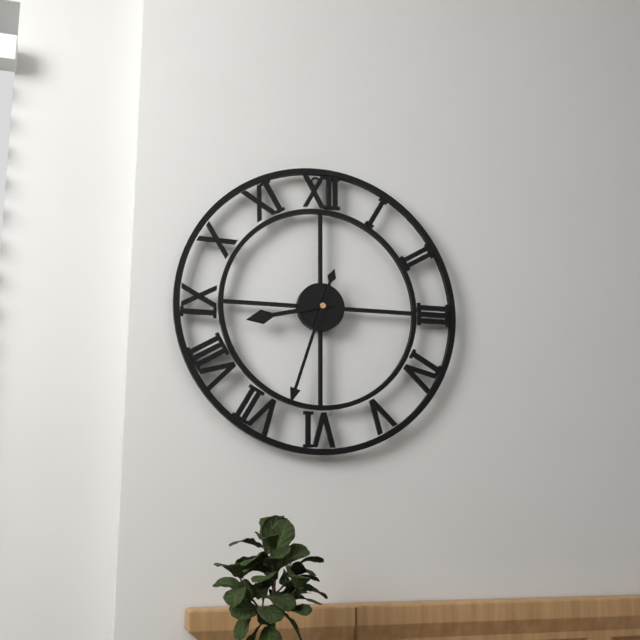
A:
8 h 33 min
